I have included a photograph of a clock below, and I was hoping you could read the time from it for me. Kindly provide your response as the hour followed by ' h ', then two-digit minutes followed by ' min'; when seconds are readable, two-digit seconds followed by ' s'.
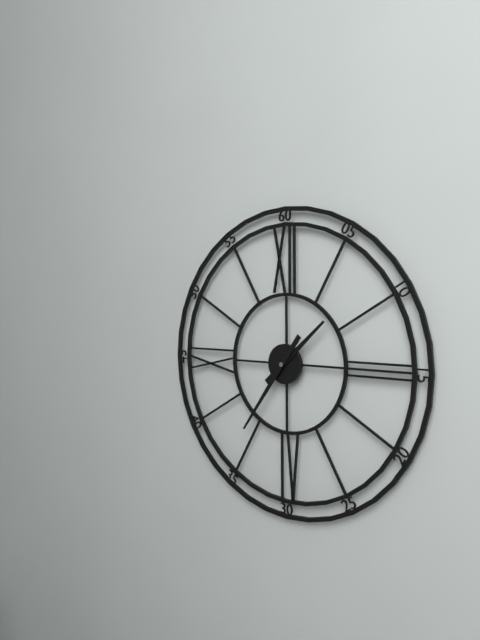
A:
1 h 36 min
